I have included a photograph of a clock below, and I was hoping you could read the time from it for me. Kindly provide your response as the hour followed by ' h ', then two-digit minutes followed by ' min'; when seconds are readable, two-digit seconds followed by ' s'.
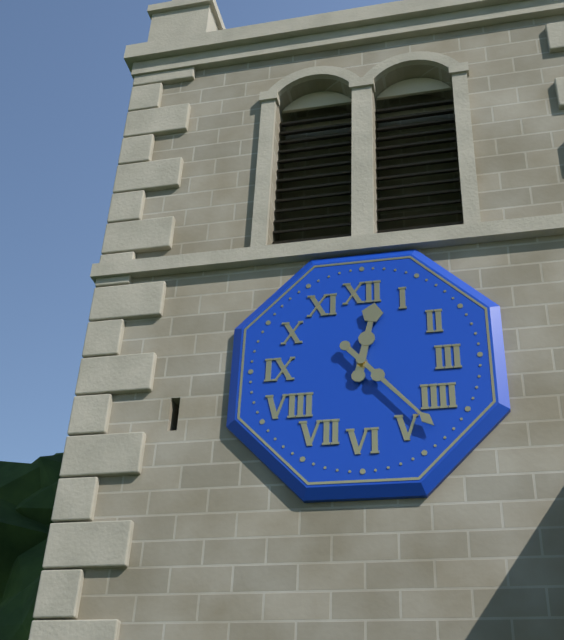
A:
12 h 23 min
